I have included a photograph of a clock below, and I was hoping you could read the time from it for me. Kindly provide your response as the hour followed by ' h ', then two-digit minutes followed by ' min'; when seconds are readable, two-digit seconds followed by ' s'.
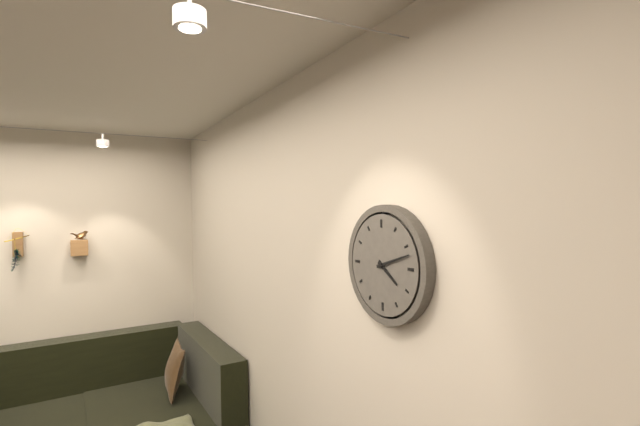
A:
4 h 12 min
